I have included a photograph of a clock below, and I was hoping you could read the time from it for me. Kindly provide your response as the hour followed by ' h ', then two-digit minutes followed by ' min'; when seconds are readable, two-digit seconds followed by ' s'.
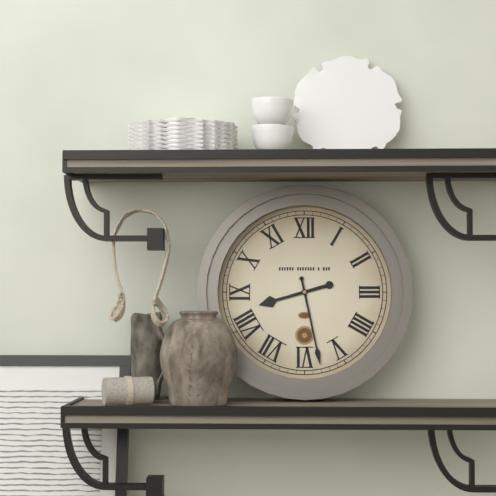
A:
8 h 28 min
